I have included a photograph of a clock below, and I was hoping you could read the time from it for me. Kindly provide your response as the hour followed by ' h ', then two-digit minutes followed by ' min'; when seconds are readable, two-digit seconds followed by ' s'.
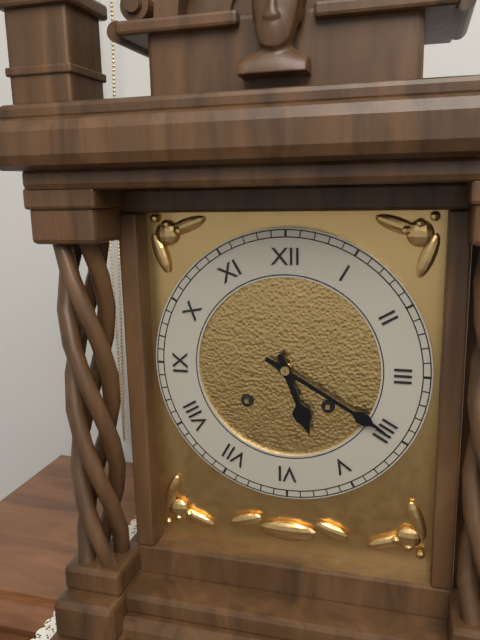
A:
5 h 20 min
